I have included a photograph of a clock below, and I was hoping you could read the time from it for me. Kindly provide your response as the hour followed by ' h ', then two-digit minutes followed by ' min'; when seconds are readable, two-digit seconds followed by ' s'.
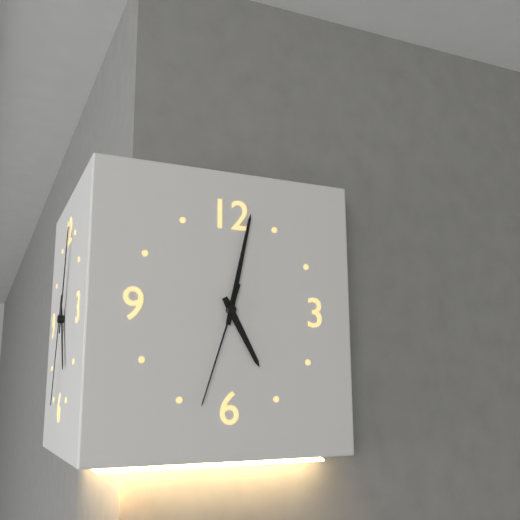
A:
5 h 02 min 33 s
